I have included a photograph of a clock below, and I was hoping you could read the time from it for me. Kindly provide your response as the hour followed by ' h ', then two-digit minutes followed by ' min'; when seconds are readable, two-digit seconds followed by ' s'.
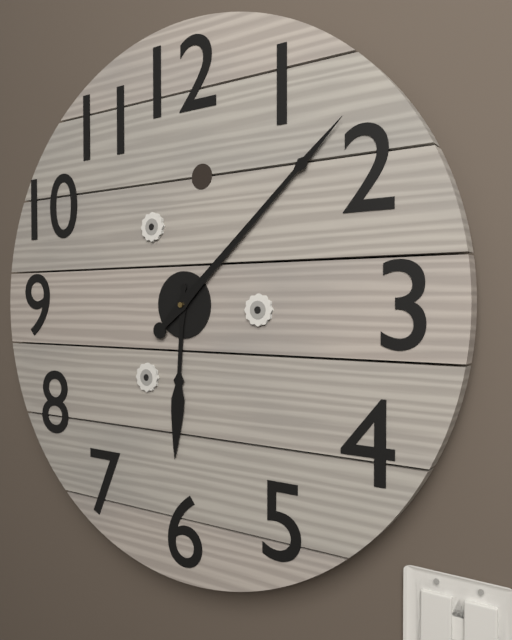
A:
6 h 08 min
